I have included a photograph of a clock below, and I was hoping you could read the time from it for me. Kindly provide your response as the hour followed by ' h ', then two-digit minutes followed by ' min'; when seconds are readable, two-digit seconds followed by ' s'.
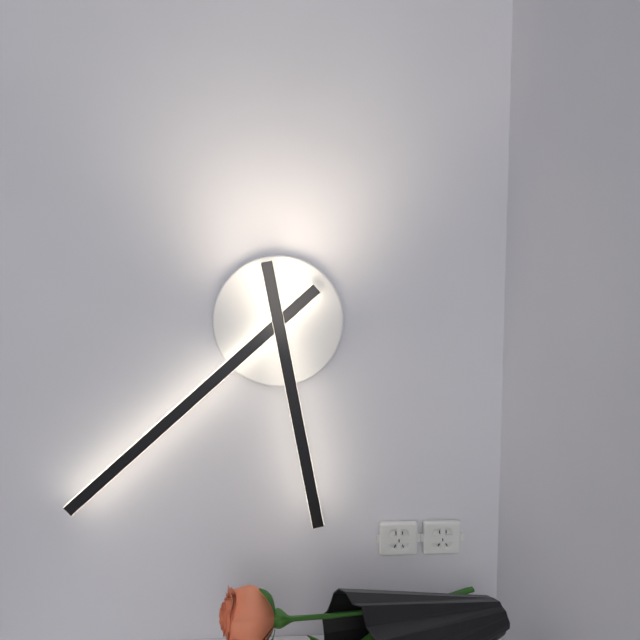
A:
5 h 38 min
